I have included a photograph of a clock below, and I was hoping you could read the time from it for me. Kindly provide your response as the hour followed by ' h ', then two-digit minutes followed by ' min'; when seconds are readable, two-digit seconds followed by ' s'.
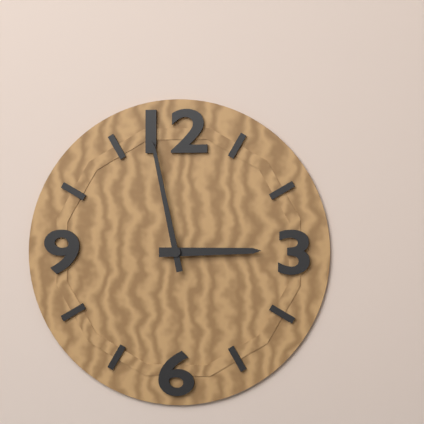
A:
2 h 58 min
